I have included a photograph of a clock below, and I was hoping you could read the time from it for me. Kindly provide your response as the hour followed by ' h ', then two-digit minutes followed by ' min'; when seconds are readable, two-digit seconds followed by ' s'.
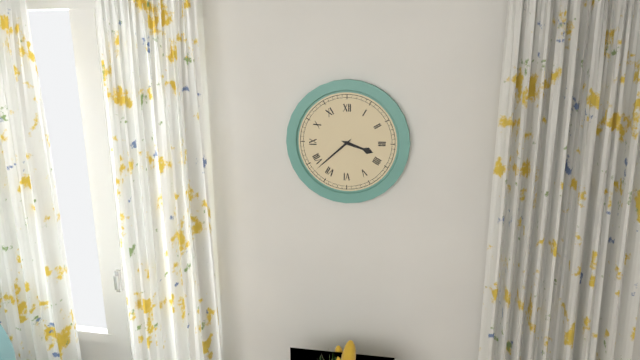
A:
3 h 38 min
